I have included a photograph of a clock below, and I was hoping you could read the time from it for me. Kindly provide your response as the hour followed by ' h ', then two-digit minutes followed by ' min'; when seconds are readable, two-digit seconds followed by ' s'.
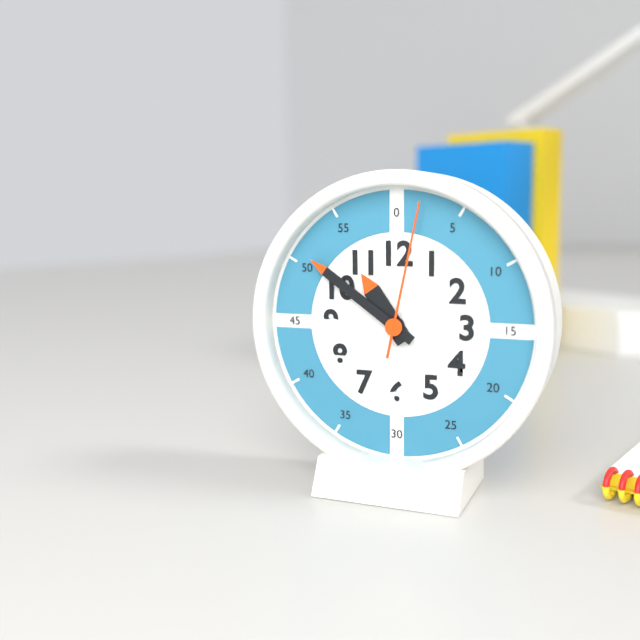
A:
10 h 51 min 02 s
